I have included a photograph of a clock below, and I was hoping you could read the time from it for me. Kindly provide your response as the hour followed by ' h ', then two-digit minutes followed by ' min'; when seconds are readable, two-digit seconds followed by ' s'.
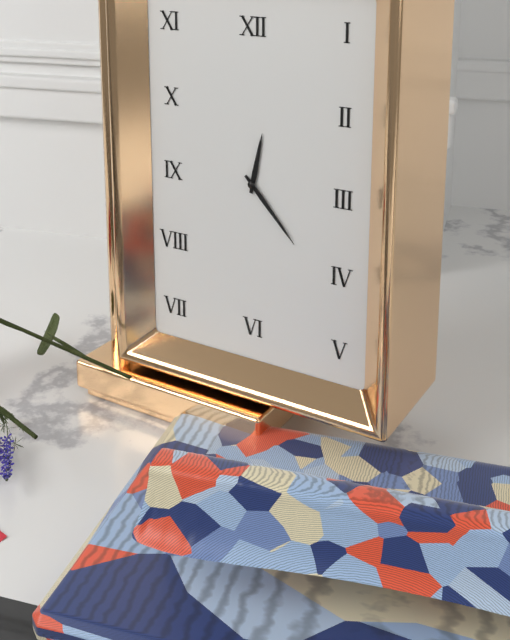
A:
12 h 23 min
